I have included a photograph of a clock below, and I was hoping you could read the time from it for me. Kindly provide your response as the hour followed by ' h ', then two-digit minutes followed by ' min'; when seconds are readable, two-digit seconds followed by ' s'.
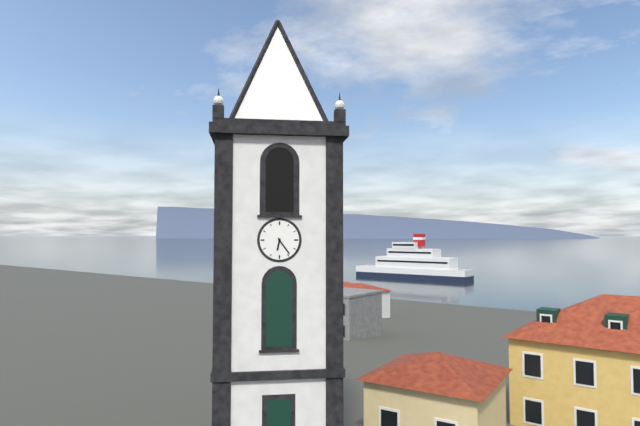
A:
6 h 24 min
